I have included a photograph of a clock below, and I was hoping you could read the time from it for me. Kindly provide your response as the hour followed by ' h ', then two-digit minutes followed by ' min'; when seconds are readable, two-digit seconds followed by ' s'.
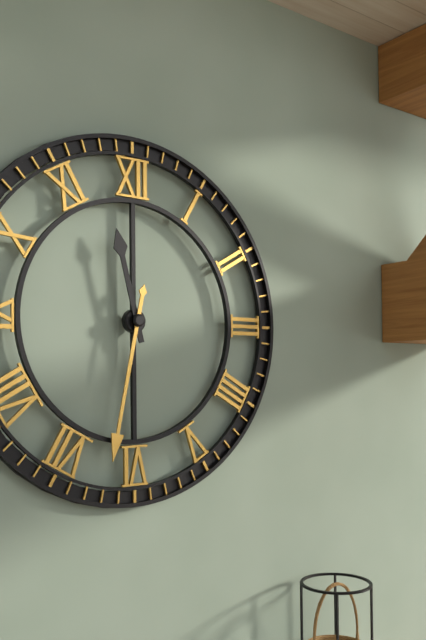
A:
11 h 32 min
